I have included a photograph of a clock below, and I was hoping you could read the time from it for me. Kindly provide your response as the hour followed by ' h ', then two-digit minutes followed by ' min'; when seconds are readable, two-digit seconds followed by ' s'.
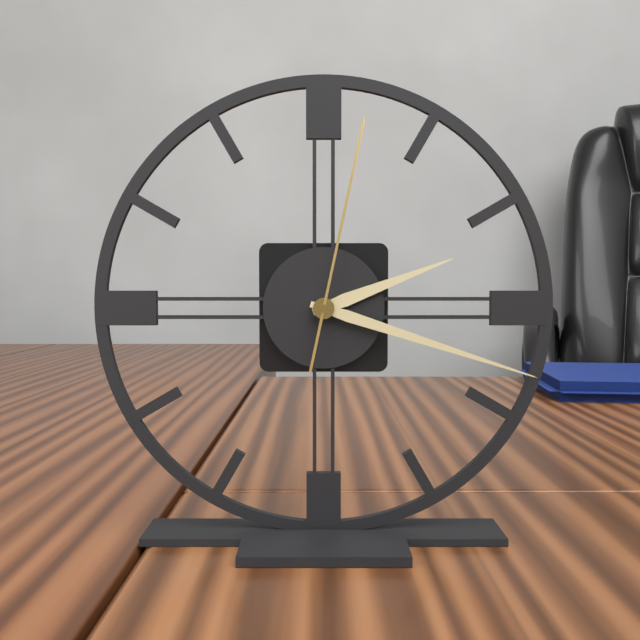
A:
2 h 18 min 02 s
